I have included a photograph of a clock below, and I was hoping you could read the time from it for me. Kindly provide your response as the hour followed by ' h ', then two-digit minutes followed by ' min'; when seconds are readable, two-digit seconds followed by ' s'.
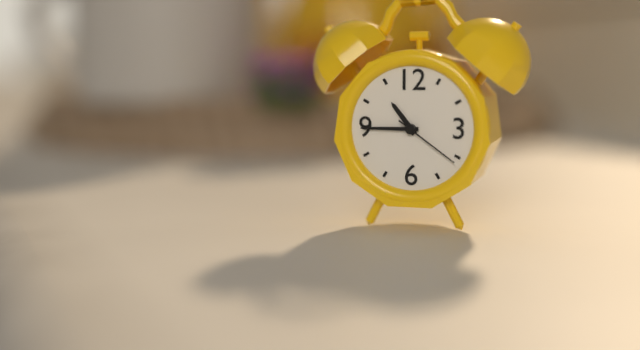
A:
10 h 45 min 21 s
